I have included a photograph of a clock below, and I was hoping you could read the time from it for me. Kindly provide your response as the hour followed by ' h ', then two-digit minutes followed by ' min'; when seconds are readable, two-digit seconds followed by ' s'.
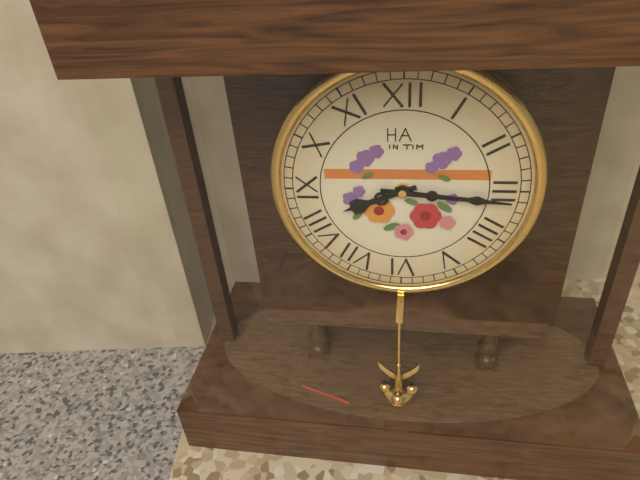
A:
8 h 16 min
